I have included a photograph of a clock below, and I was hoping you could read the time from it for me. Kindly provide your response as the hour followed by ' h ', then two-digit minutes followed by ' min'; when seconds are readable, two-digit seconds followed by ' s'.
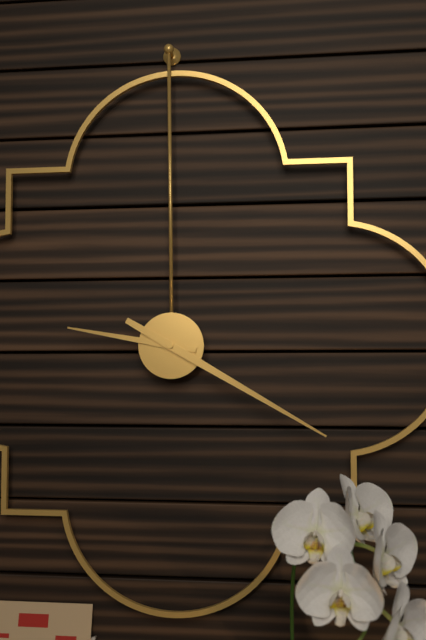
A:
9 h 20 min
